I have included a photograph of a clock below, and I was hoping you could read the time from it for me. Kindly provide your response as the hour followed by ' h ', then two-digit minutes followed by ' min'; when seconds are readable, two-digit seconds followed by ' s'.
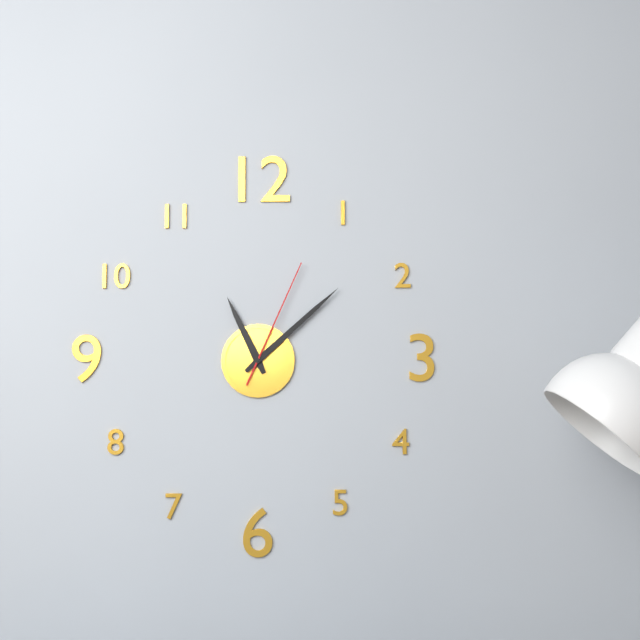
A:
11 h 08 min 04 s
